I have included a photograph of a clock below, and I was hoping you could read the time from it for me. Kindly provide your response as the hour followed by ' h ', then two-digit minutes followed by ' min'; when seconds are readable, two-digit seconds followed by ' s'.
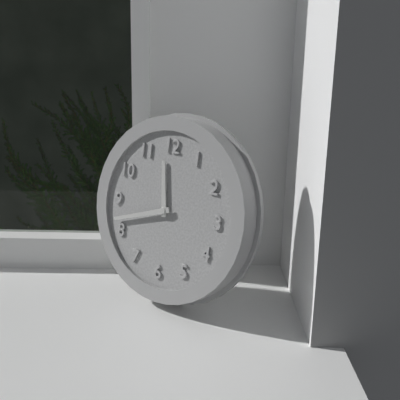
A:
11 h 42 min
